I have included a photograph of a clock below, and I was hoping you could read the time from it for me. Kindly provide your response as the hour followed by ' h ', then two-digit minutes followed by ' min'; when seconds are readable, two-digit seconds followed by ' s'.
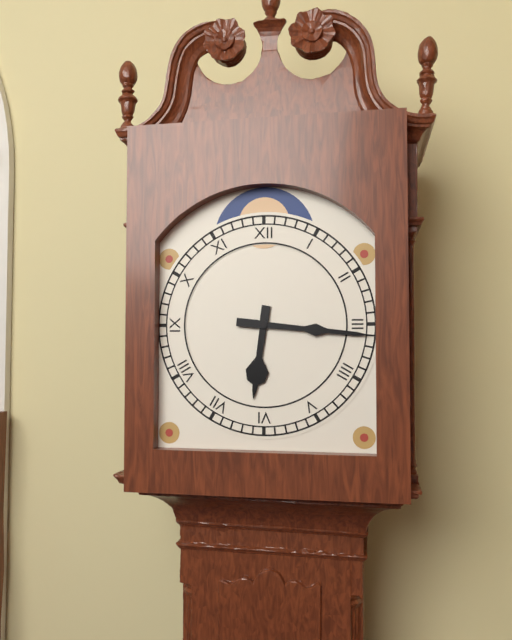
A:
6 h 16 min
